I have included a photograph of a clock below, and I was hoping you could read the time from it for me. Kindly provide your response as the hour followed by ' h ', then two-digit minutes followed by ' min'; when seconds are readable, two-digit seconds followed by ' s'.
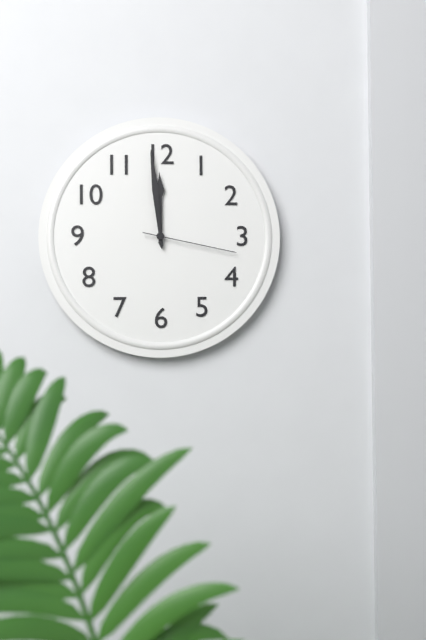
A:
11 h 59 min 17 s
